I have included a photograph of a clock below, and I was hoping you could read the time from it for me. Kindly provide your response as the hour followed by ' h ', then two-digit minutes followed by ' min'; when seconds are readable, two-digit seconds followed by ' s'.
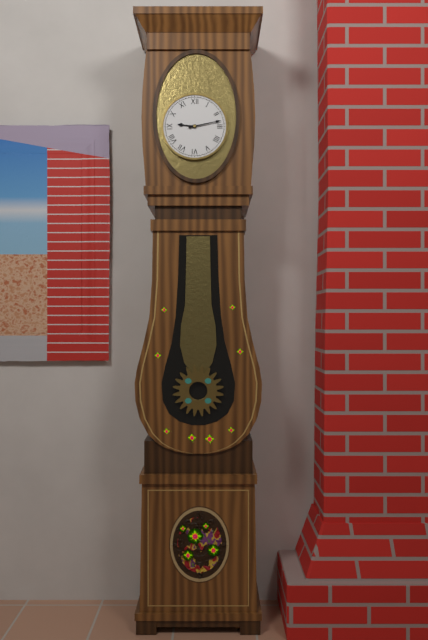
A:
9 h 13 min
